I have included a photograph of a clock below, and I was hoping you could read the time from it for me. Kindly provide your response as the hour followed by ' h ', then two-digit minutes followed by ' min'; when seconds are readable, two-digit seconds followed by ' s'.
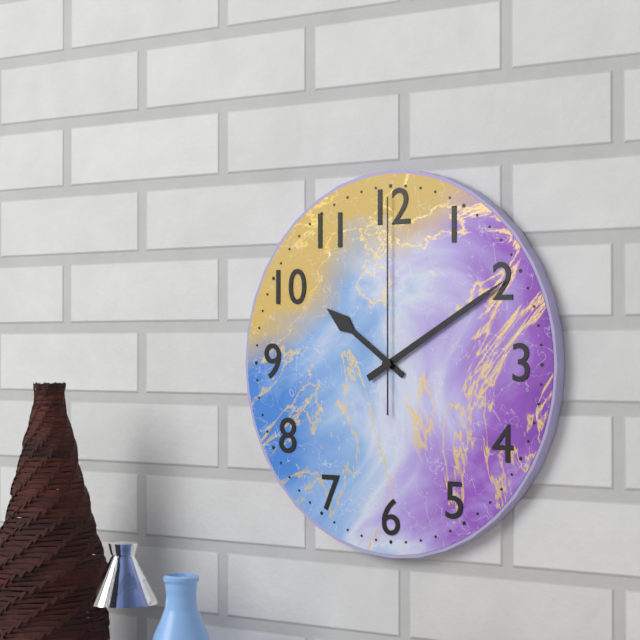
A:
10 h 10 min 00 s
